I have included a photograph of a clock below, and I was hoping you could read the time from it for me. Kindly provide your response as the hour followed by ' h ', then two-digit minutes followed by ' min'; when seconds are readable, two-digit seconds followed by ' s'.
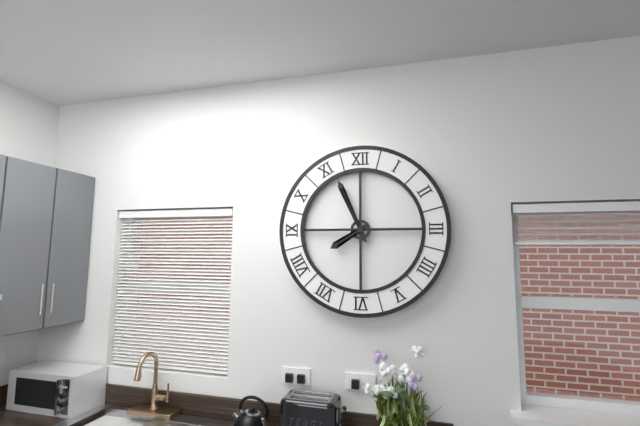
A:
7 h 56 min
